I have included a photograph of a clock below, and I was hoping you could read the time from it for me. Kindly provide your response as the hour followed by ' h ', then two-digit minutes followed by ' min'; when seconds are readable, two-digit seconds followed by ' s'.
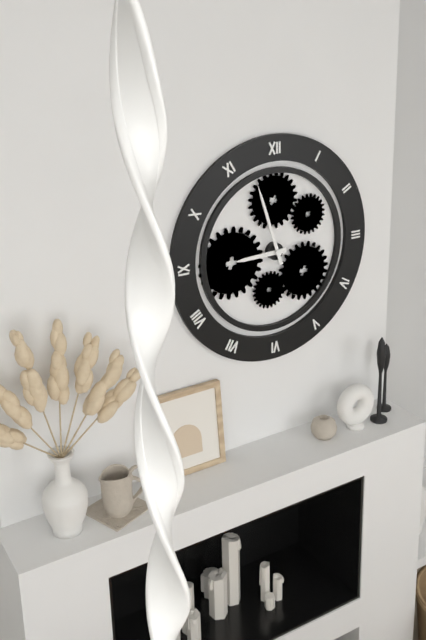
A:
8 h 57 min
